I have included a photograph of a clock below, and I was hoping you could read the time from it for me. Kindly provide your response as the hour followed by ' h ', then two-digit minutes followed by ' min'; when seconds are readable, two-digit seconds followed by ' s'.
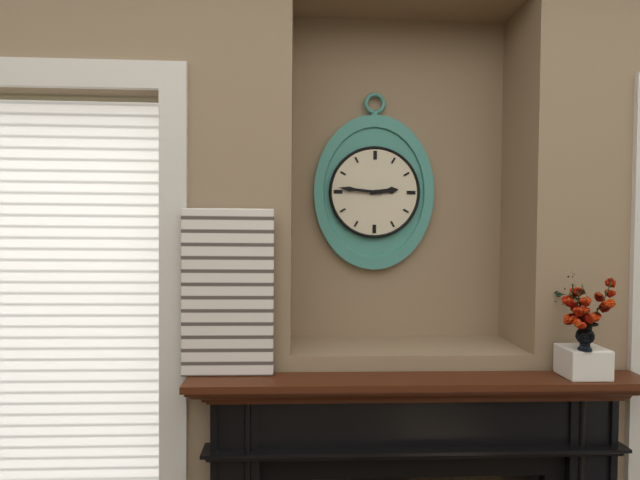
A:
2 h 46 min
